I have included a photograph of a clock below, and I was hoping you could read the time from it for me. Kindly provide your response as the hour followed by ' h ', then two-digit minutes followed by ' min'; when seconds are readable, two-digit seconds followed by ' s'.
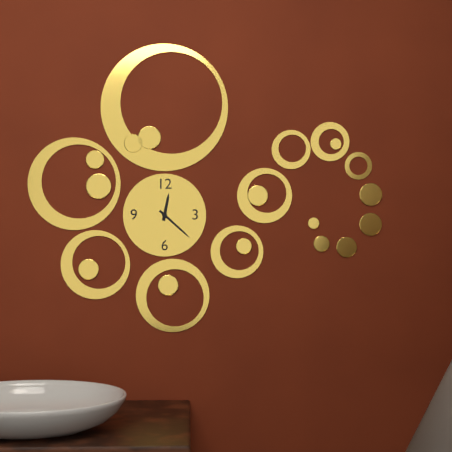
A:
12 h 22 min
